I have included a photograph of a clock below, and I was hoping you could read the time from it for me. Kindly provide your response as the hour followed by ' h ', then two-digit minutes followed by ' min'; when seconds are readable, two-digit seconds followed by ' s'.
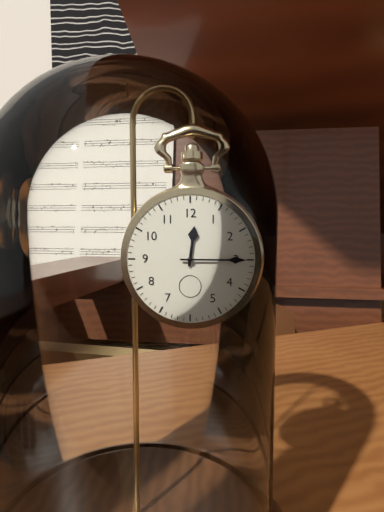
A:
12 h 15 min
